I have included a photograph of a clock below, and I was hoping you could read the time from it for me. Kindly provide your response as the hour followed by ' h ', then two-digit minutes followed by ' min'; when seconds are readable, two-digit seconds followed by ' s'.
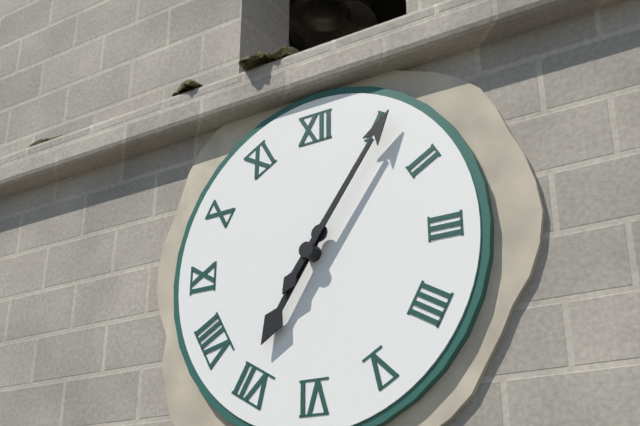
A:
7 h 06 min
